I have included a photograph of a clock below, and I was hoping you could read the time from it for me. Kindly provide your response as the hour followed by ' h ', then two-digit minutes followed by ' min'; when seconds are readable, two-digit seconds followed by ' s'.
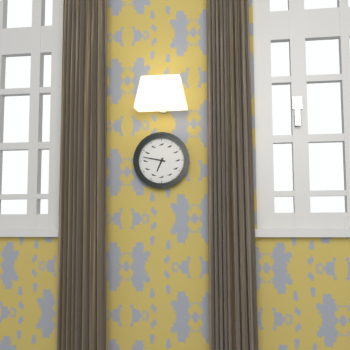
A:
6 h 47 min
